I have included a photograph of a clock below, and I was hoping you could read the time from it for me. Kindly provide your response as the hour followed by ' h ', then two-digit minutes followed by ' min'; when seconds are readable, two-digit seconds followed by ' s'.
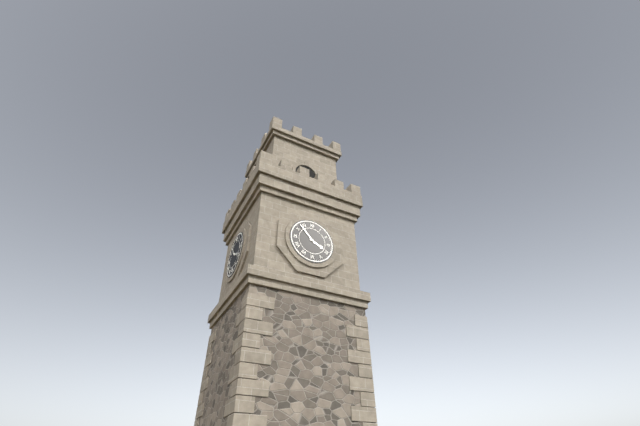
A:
3 h 53 min
